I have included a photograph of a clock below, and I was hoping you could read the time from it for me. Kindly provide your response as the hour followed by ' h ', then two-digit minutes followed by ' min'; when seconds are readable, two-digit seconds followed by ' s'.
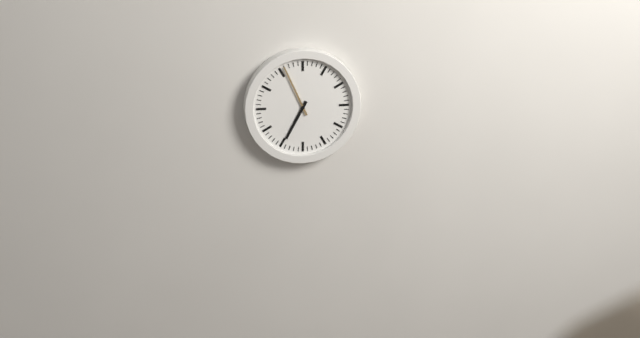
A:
6 h 56 min
